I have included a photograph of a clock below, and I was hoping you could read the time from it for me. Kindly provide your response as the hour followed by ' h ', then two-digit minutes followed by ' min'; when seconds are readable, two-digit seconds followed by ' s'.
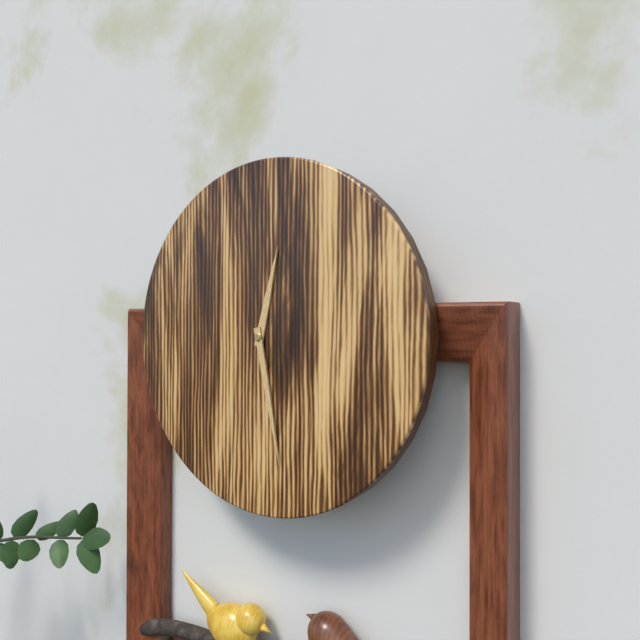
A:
12 h 28 min
